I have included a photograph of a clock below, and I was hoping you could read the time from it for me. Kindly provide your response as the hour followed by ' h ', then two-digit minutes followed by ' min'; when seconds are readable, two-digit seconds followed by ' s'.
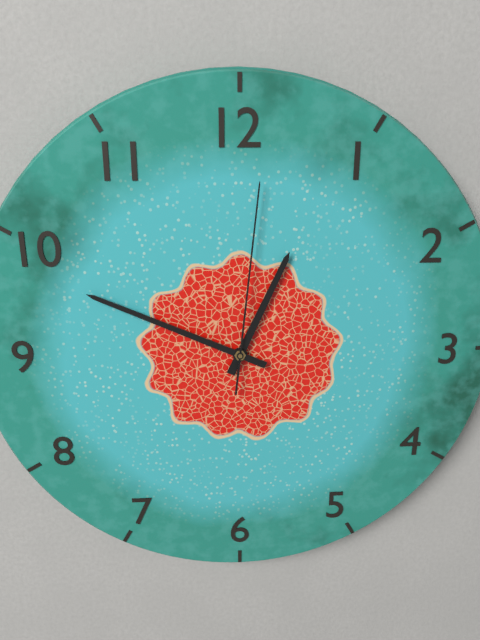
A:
12 h 49 min 01 s
